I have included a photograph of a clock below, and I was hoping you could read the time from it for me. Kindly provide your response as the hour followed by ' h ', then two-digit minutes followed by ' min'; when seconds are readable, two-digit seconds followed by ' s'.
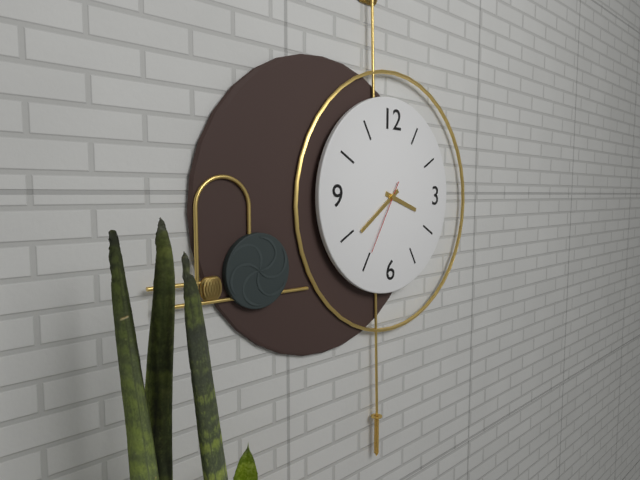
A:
3 h 39 min 35 s
